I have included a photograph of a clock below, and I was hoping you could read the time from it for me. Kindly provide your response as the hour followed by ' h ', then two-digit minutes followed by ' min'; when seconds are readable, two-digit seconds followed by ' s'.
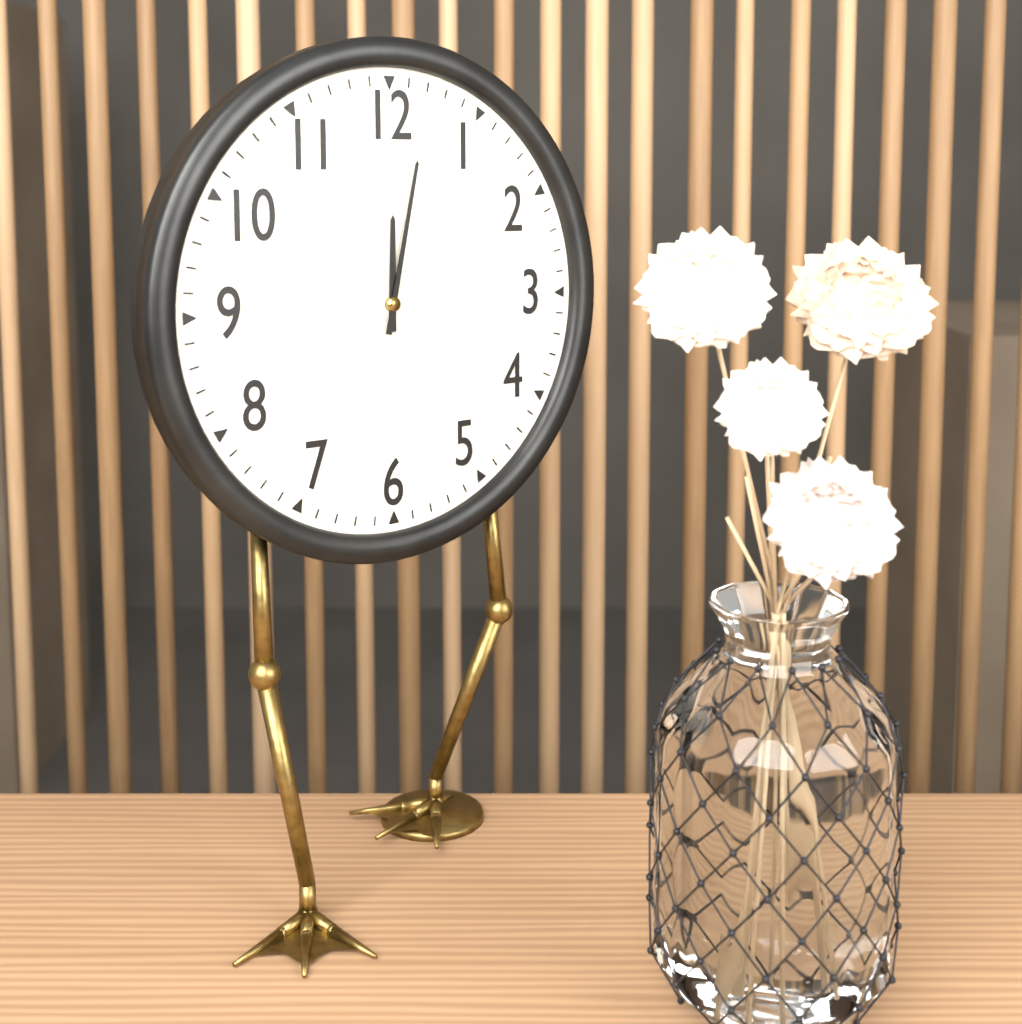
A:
12 h 02 min
